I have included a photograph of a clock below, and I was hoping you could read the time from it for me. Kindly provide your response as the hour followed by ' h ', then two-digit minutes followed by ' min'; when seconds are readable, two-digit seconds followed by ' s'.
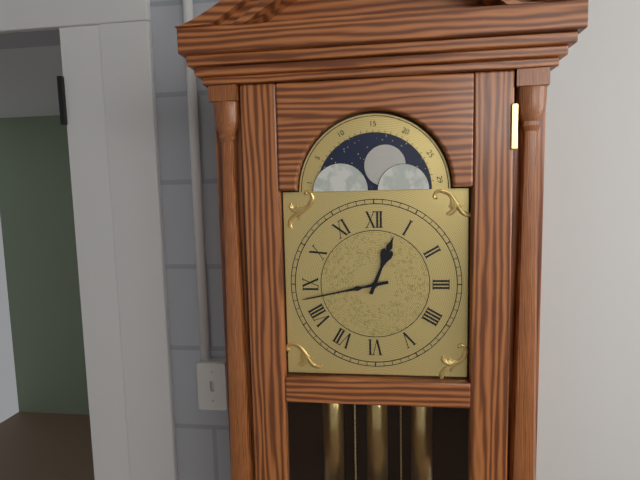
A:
12 h 43 min
